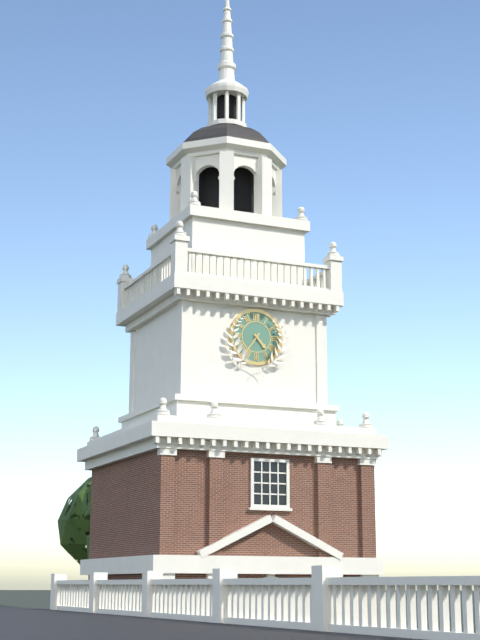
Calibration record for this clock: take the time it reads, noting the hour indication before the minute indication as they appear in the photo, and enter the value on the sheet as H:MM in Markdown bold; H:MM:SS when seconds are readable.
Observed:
**4:36**
